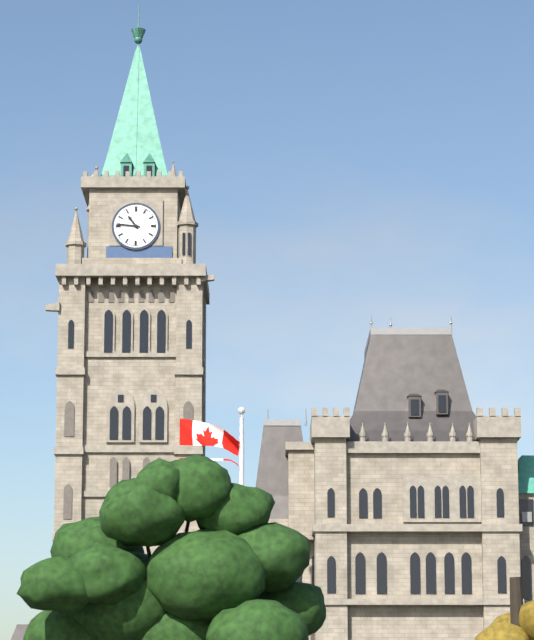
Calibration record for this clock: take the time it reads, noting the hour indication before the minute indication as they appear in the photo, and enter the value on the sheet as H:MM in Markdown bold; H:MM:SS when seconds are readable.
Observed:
**10:46**
